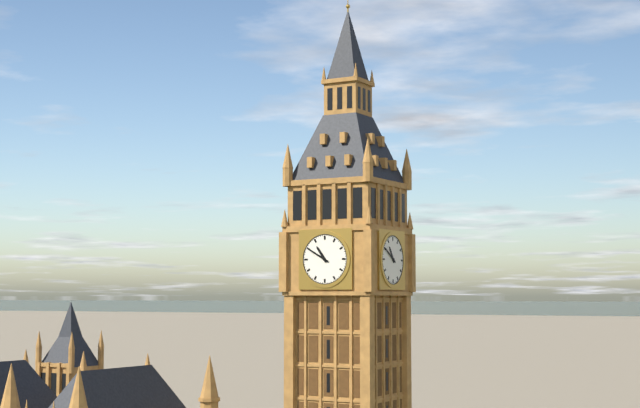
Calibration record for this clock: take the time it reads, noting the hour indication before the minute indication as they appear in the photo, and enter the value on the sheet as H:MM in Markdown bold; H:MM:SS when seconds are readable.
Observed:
**10:50**
